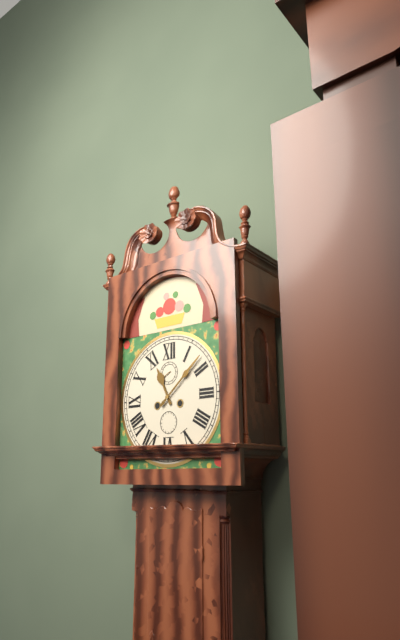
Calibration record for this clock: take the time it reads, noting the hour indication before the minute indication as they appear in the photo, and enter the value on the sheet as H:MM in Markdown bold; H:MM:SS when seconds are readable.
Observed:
**11:08**
